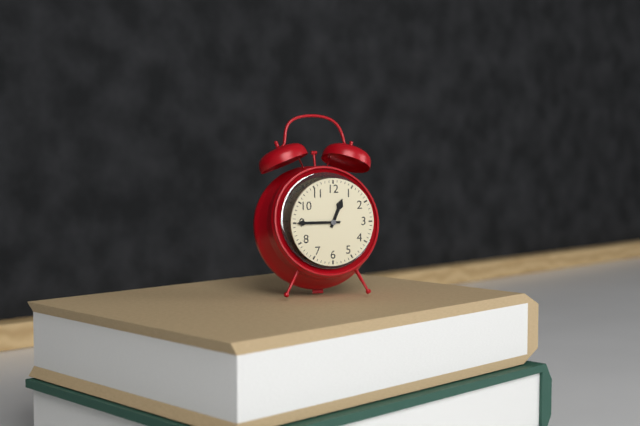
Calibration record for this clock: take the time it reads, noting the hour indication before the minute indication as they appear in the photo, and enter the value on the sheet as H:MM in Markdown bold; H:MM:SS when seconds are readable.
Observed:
**12:45**
